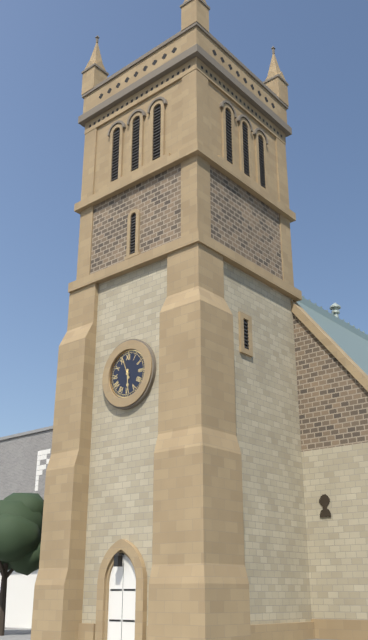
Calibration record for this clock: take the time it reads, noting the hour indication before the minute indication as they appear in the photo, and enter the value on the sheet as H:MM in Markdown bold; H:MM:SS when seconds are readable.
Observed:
**5:56**
